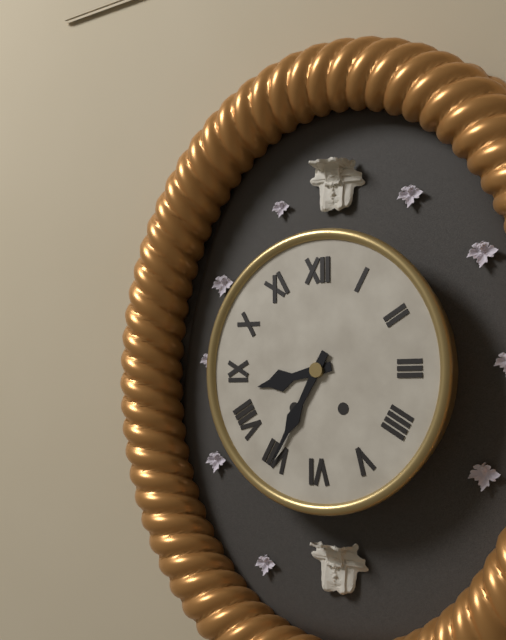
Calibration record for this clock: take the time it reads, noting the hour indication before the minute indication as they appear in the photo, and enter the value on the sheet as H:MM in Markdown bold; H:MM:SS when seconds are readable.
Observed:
**8:35**
